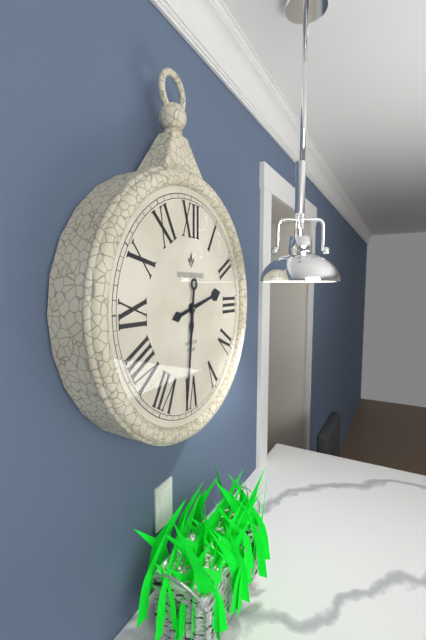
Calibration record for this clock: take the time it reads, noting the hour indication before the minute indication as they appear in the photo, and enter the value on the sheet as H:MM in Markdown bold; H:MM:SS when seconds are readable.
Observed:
**2:31**
